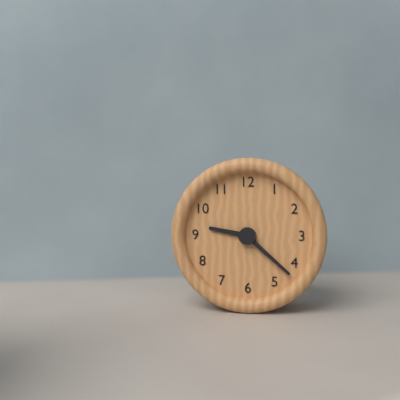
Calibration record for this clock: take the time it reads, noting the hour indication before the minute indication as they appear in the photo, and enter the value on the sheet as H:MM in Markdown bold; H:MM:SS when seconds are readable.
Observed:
**9:22**
